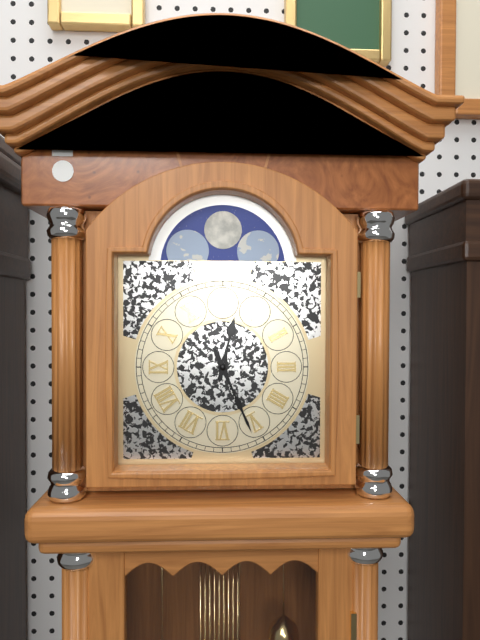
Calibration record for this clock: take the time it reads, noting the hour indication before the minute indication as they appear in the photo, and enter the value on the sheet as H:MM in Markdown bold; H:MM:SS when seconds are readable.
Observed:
**12:26**
